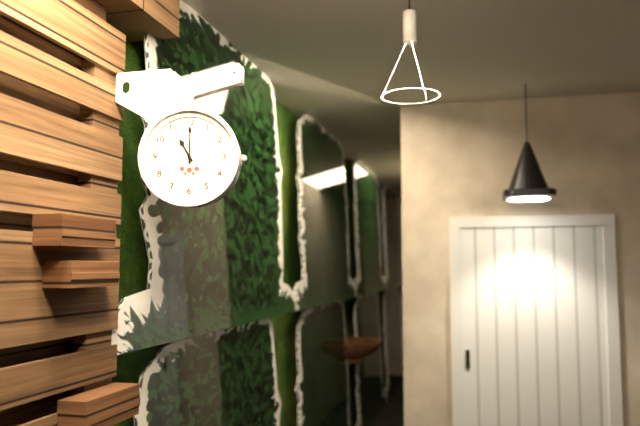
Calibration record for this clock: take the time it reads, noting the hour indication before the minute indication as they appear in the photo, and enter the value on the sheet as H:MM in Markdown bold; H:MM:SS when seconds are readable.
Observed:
**11:00**
